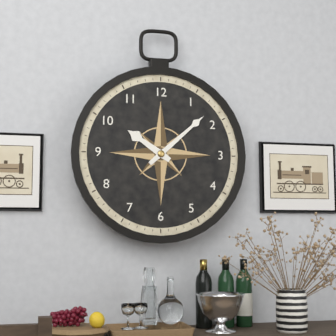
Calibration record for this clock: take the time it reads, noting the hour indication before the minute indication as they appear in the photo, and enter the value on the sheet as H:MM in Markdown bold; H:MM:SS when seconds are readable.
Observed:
**10:08**
